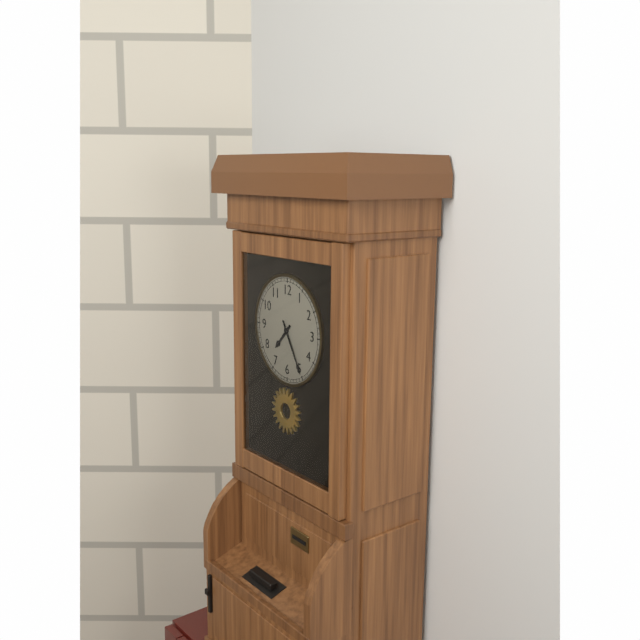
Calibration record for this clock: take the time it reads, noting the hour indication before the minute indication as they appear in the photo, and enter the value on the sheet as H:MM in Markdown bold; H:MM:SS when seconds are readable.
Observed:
**7:25**
